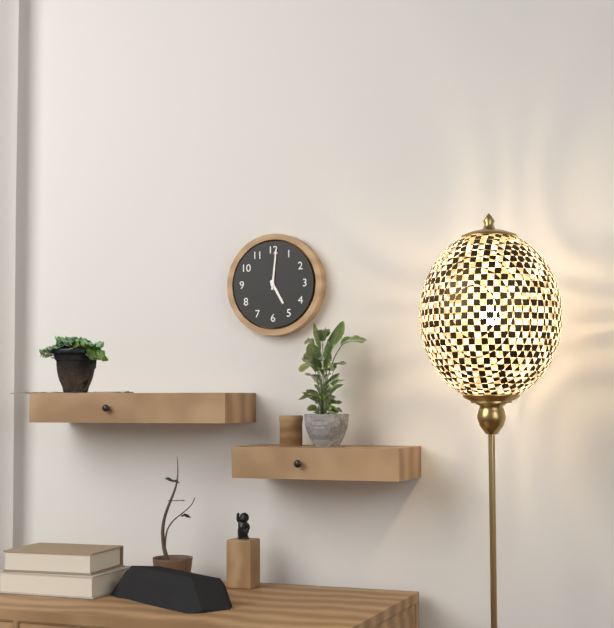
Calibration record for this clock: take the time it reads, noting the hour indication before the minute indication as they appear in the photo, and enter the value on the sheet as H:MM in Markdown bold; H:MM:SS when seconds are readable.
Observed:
**5:01**
